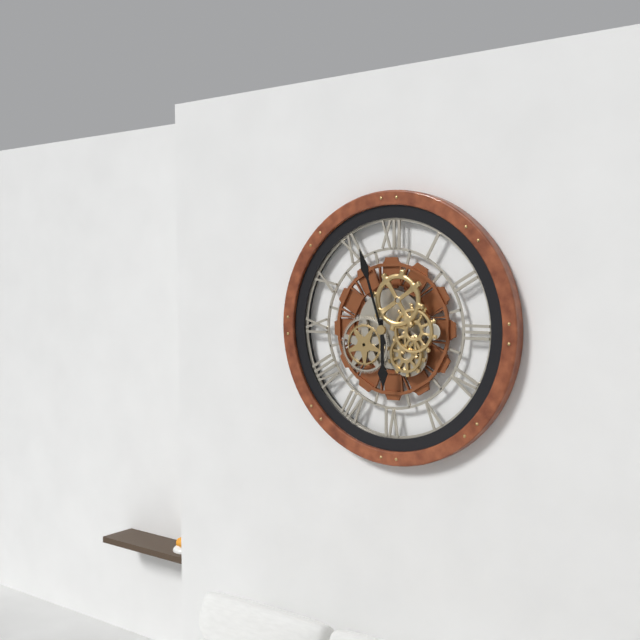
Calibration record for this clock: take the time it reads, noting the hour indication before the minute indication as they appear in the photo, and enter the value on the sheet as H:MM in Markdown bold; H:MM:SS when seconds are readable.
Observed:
**5:57**
